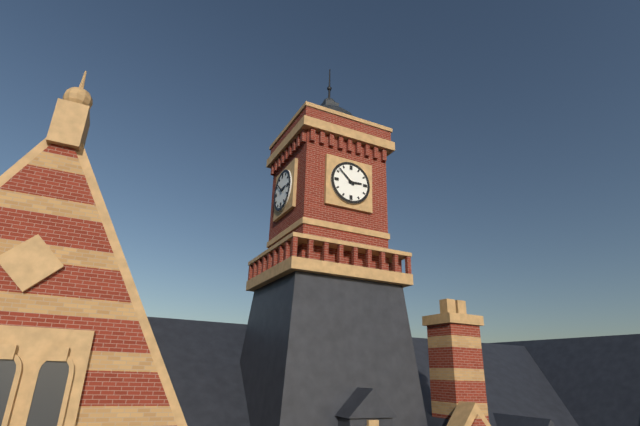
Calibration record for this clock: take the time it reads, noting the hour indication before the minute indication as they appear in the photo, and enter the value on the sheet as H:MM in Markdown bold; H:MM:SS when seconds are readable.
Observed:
**2:52**
